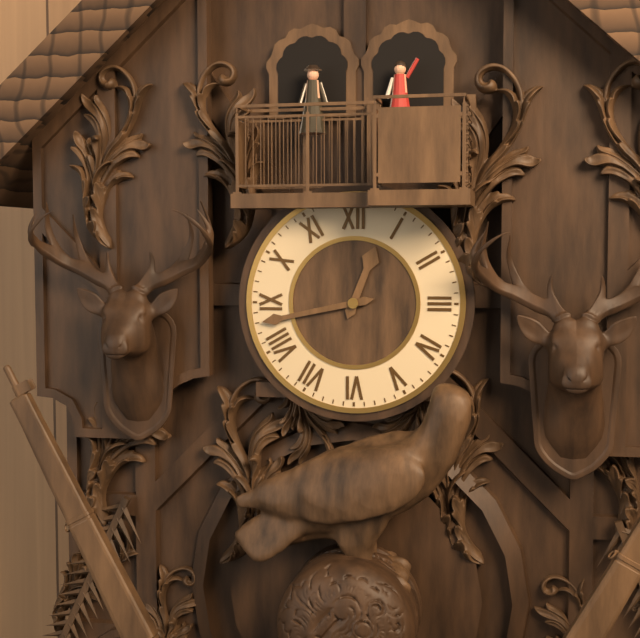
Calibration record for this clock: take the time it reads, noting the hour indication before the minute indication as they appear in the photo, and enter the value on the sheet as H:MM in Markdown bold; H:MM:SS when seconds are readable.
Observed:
**12:43**
